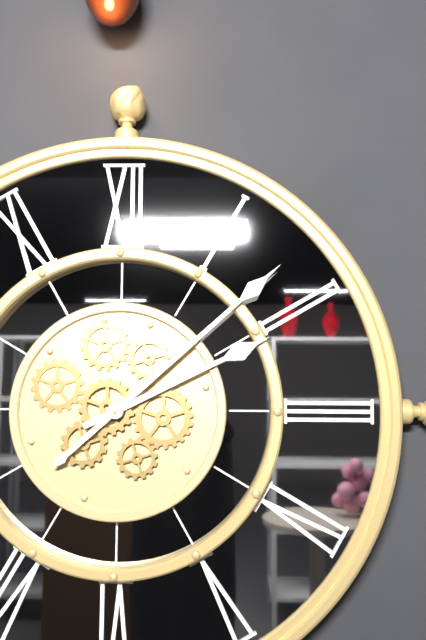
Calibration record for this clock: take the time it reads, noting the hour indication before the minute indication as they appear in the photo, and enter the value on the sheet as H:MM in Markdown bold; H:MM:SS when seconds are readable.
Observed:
**2:08**
